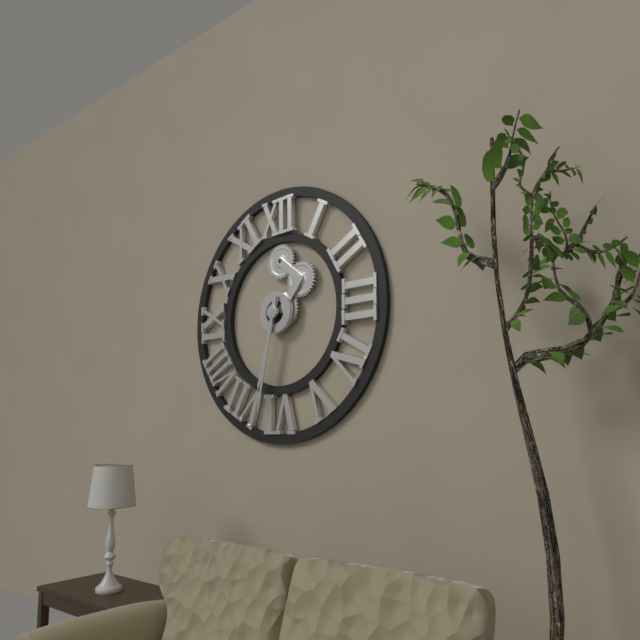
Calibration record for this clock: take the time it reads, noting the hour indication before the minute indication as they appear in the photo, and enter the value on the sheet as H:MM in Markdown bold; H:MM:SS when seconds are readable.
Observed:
**6:32**
